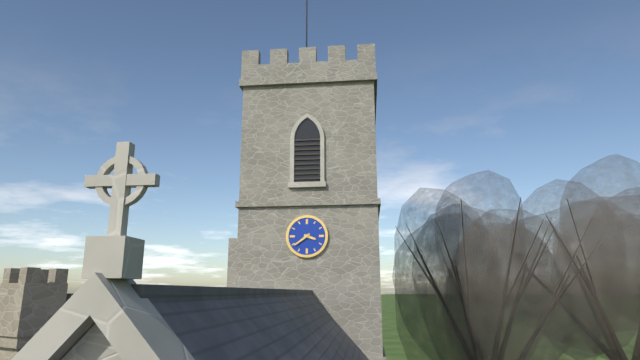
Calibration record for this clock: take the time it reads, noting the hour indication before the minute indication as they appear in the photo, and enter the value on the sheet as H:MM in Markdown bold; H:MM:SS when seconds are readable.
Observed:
**3:39**
